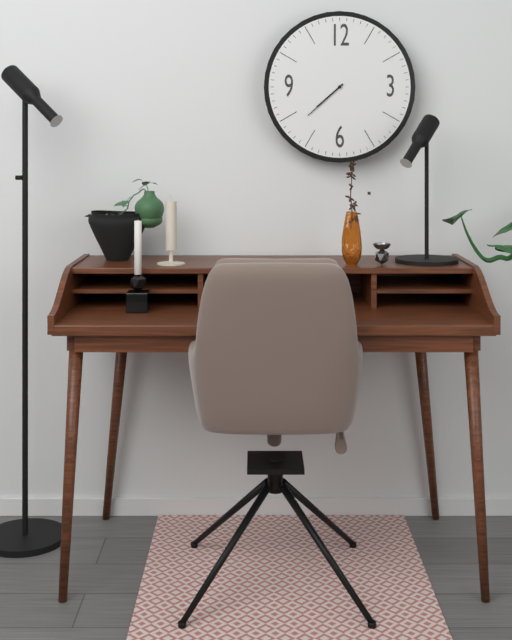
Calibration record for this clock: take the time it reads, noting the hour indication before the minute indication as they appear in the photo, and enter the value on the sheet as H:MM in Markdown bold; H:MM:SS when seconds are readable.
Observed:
**7:38**
